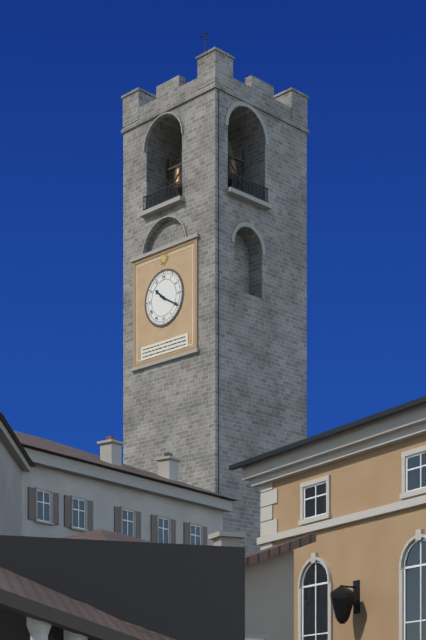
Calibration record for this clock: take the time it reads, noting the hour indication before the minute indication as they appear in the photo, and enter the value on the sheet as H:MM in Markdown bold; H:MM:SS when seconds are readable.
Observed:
**10:20**
